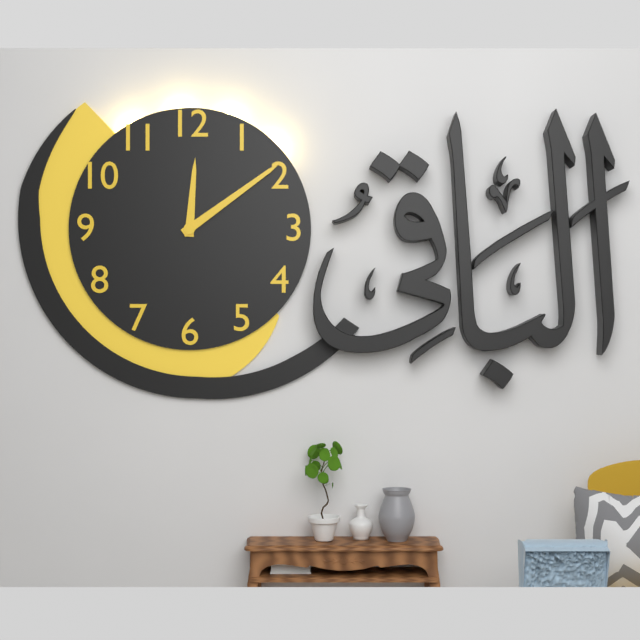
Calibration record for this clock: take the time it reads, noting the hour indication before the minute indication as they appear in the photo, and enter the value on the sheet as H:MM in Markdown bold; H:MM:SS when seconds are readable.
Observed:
**12:09**
